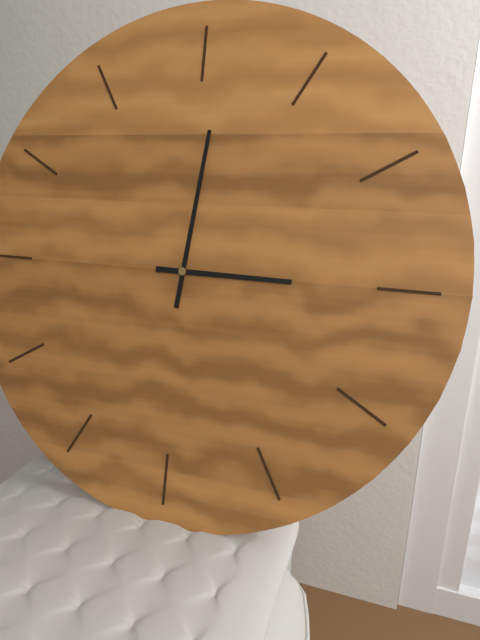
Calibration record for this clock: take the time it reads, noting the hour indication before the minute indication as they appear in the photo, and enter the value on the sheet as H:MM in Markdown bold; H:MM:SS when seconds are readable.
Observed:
**3:01**
